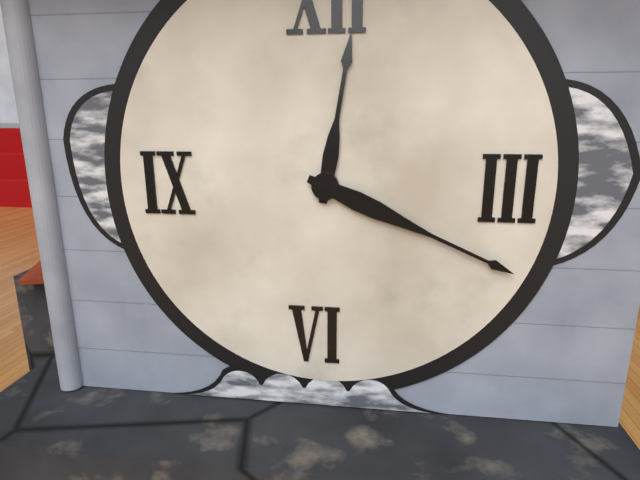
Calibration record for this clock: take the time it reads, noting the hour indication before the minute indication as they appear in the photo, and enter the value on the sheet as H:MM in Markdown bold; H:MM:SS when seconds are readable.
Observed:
**12:19**
